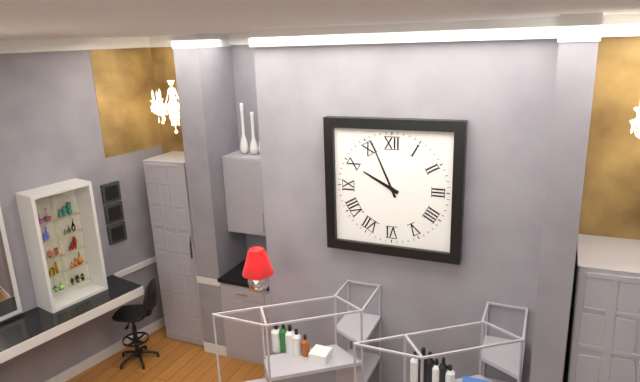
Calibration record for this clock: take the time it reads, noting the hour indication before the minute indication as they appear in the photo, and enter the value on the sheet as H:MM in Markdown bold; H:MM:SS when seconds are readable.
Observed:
**9:56**
